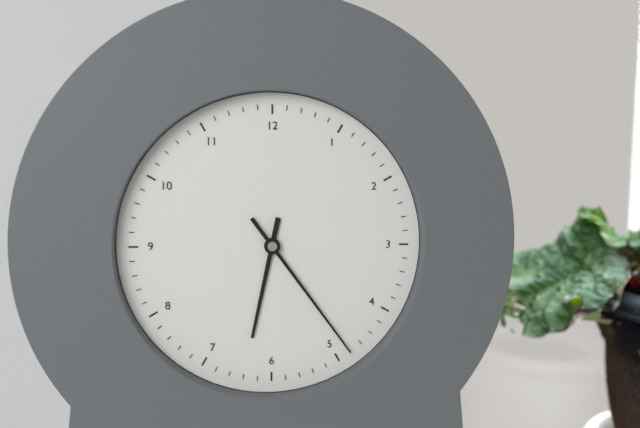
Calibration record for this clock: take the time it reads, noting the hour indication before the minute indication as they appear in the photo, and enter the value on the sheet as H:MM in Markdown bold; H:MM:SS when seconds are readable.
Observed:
**6:24**
